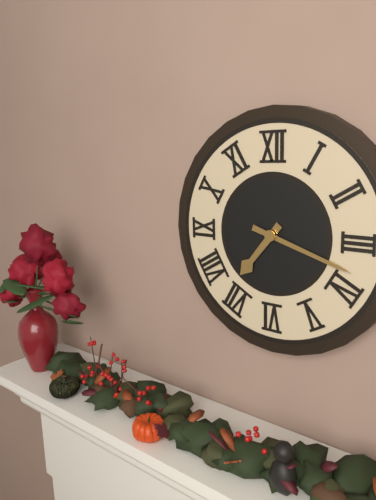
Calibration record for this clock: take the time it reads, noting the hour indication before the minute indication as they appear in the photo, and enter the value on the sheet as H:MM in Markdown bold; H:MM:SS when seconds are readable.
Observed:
**7:18**
